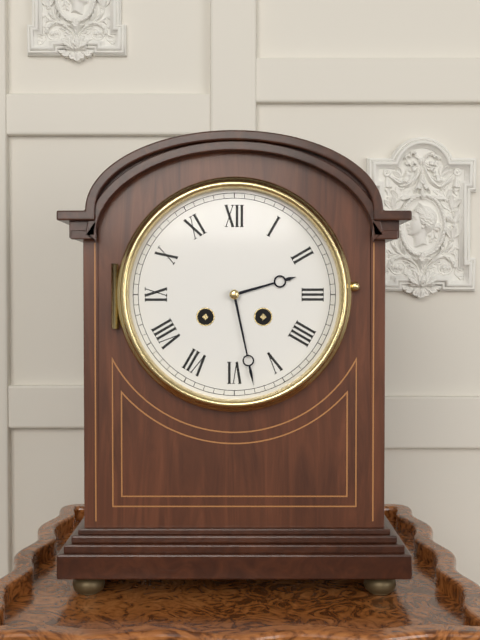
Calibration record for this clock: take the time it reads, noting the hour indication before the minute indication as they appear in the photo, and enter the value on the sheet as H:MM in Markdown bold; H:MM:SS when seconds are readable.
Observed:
**2:28**
